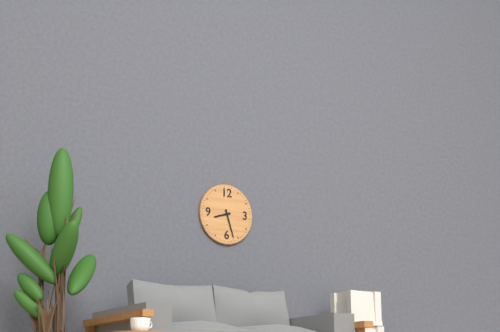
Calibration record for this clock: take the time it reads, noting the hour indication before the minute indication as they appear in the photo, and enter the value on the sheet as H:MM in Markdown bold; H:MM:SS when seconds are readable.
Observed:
**8:27**
